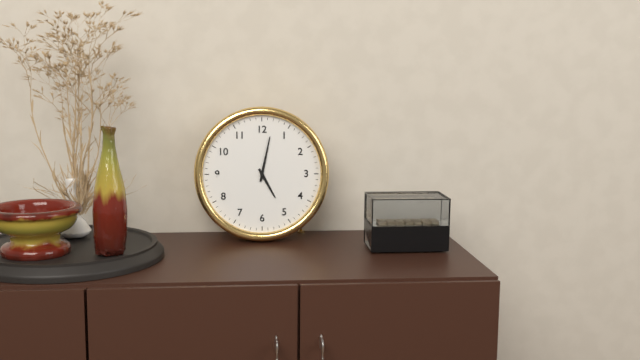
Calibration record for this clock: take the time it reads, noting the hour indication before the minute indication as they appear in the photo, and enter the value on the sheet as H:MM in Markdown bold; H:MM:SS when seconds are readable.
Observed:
**5:02**
